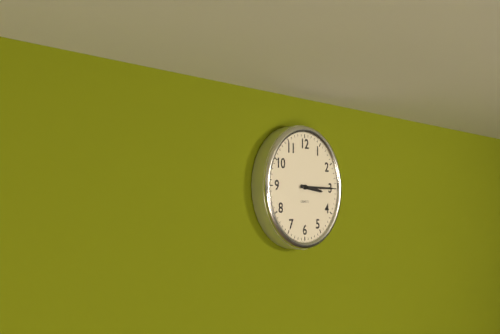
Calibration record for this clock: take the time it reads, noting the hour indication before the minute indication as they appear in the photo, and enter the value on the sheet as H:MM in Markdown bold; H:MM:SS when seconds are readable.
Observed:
**3:15**
